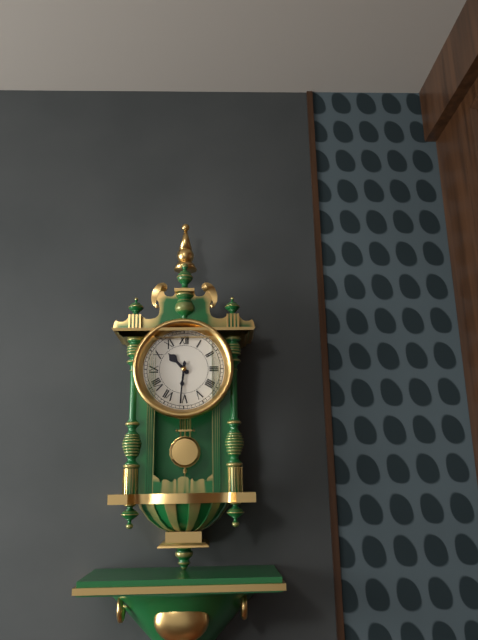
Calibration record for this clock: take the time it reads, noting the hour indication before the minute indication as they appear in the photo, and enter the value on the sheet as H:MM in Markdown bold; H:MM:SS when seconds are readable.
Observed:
**10:31**
